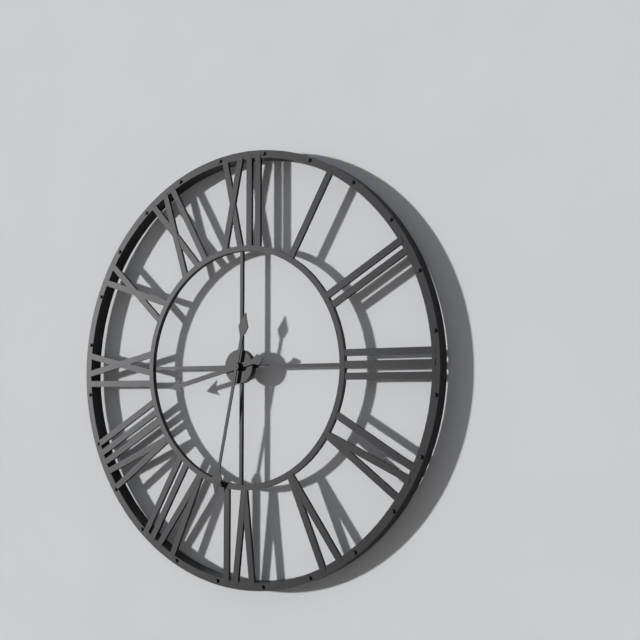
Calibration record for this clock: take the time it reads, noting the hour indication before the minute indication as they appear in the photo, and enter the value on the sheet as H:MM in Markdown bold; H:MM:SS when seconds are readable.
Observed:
**8:32**
